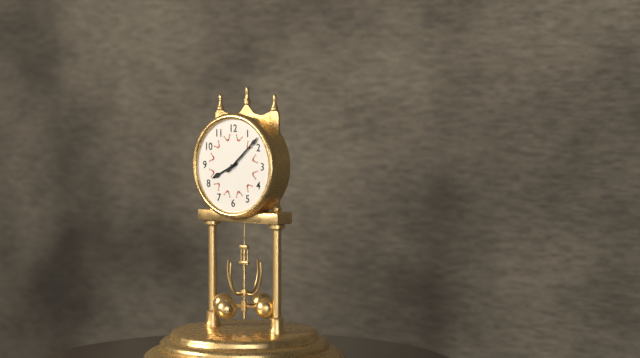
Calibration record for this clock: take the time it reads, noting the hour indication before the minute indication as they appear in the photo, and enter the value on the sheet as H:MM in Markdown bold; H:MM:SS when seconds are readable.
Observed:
**8:08**
